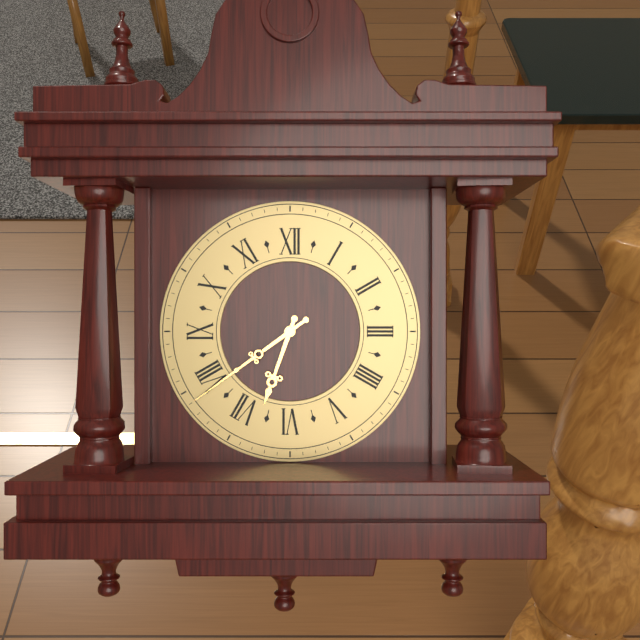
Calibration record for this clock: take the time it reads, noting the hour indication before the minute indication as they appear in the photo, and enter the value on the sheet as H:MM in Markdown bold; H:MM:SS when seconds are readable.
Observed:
**6:39**
